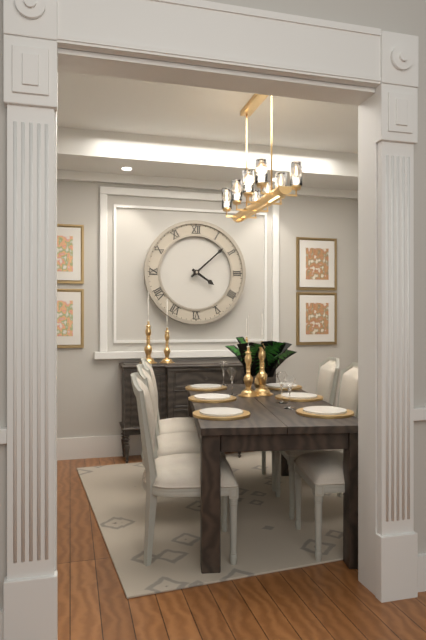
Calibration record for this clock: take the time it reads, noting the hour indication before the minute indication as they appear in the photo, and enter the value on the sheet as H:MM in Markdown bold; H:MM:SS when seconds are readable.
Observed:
**4:08**
